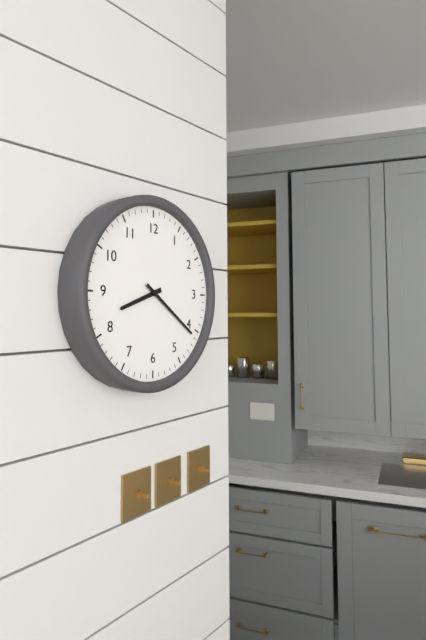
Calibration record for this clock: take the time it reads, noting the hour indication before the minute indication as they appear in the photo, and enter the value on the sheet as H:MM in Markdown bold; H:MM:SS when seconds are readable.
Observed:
**8:21**
